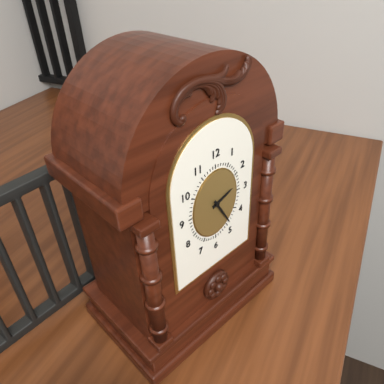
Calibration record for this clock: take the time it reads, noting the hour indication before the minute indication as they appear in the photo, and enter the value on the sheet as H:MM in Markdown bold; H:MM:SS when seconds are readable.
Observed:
**2:25**
